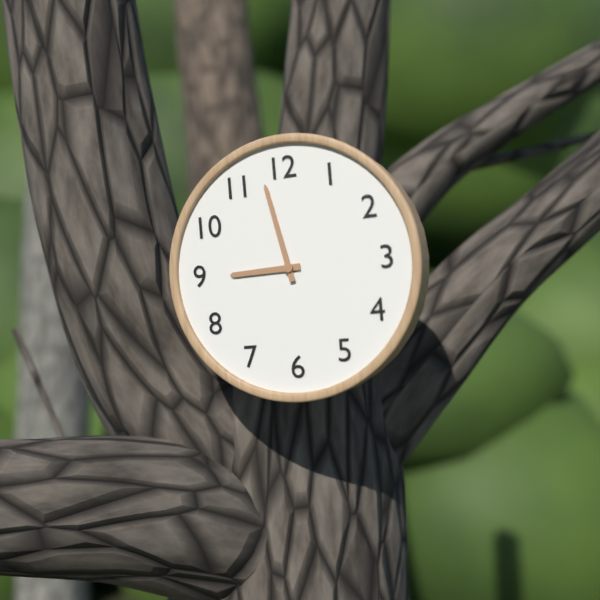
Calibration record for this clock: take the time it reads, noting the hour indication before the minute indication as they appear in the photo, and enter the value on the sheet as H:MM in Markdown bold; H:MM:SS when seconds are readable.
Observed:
**8:58**
